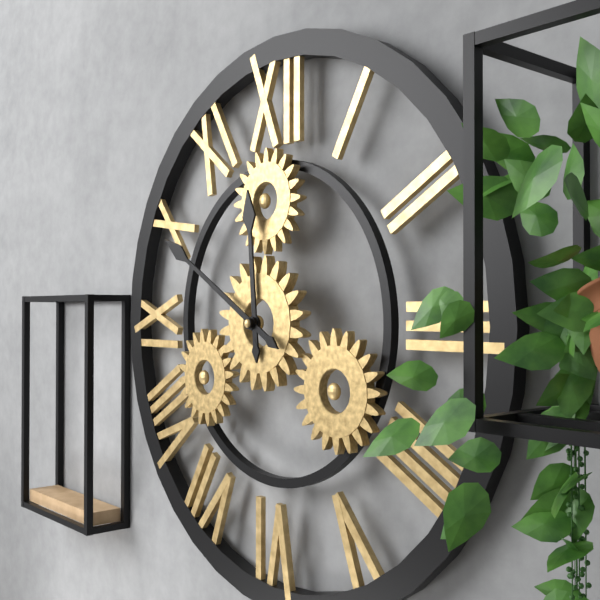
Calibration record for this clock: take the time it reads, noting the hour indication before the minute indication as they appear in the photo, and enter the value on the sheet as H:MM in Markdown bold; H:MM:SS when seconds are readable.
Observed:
**11:50**
